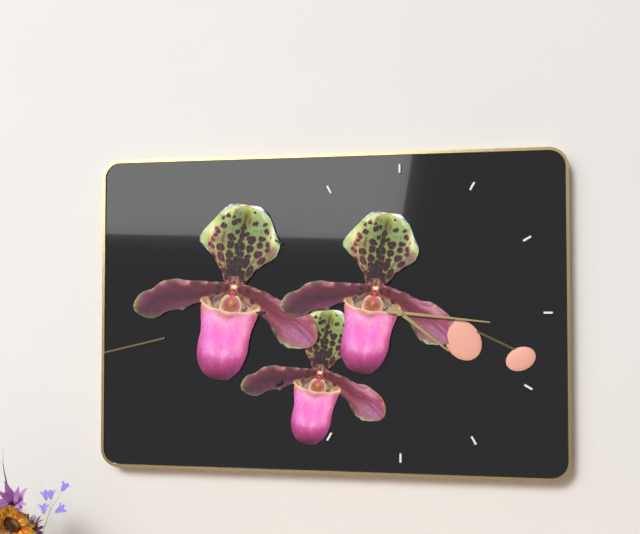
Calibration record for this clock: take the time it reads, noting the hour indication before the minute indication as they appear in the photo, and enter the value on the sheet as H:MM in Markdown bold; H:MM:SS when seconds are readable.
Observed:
**4:16**
